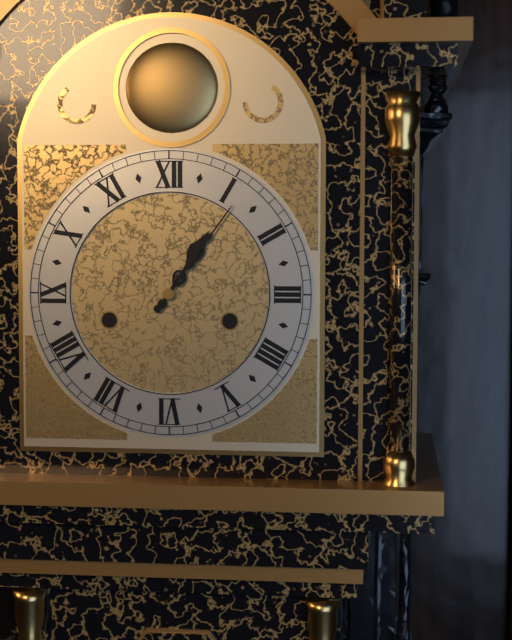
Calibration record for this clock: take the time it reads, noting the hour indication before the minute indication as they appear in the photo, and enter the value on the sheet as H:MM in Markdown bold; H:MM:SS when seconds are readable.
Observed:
**1:06**
